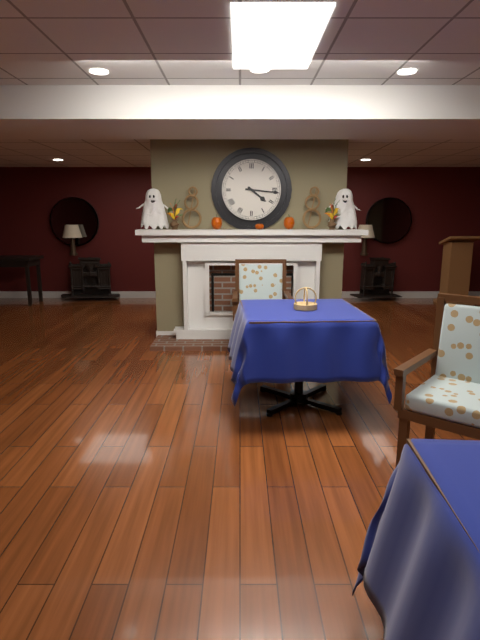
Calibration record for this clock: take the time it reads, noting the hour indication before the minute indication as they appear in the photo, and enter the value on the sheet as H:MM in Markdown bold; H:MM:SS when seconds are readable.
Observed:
**4:16**
